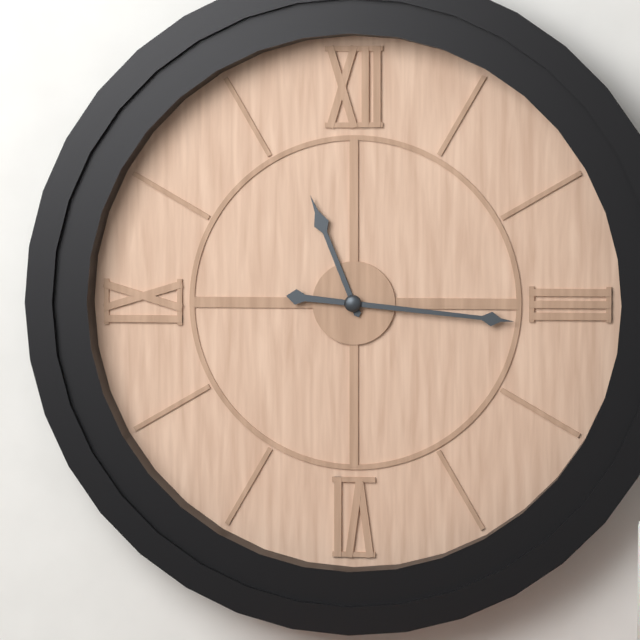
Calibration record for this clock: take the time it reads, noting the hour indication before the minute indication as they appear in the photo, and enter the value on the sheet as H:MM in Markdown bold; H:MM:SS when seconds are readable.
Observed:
**11:16**
